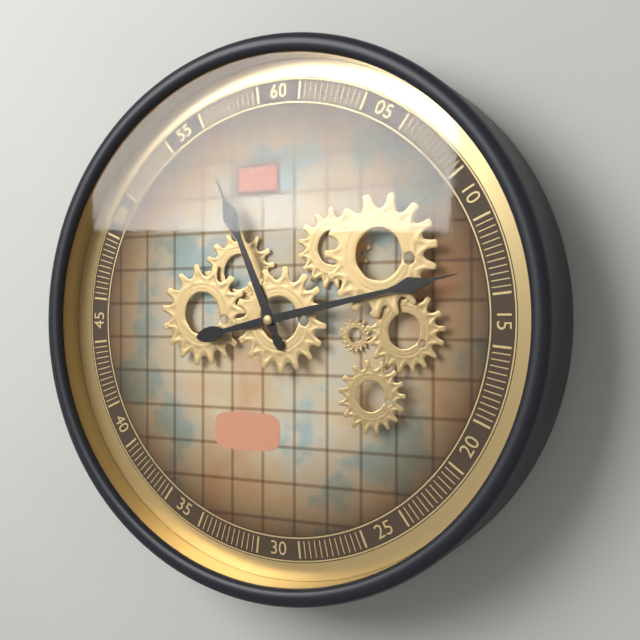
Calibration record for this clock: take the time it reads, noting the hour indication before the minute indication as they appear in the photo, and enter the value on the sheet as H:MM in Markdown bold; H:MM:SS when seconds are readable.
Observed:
**11:13**
